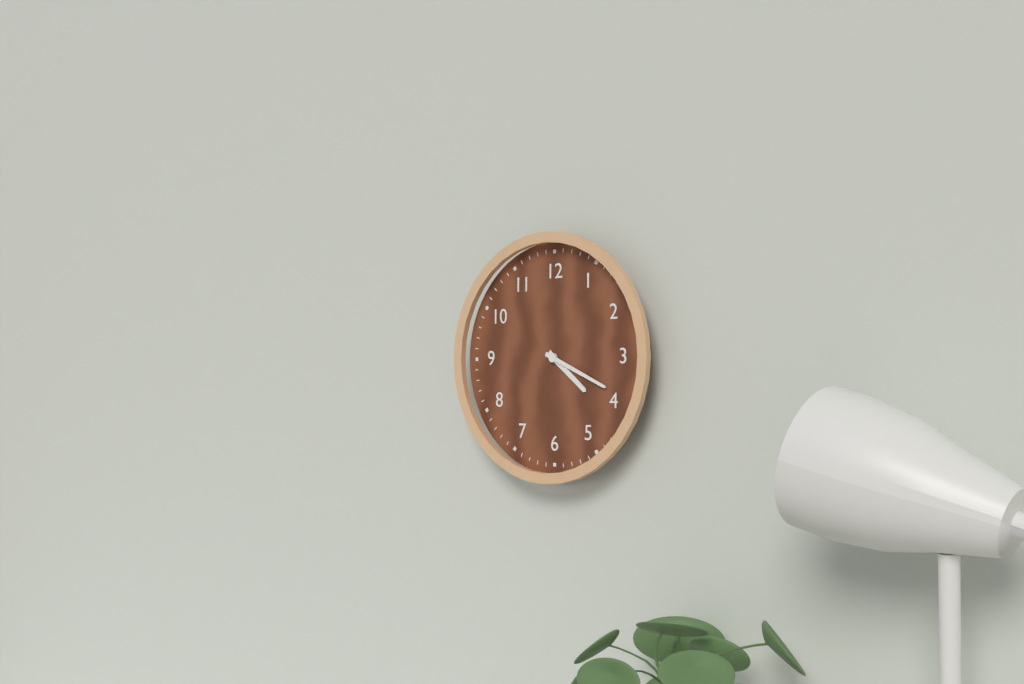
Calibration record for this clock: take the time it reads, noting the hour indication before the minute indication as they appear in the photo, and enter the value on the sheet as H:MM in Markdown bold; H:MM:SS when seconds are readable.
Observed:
**4:19**
